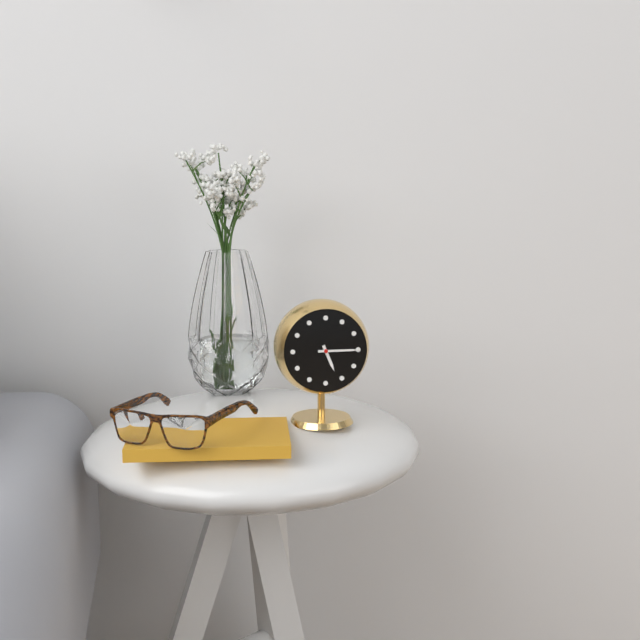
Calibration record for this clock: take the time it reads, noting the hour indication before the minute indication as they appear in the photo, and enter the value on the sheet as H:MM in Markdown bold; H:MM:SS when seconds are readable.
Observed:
**5:15**
